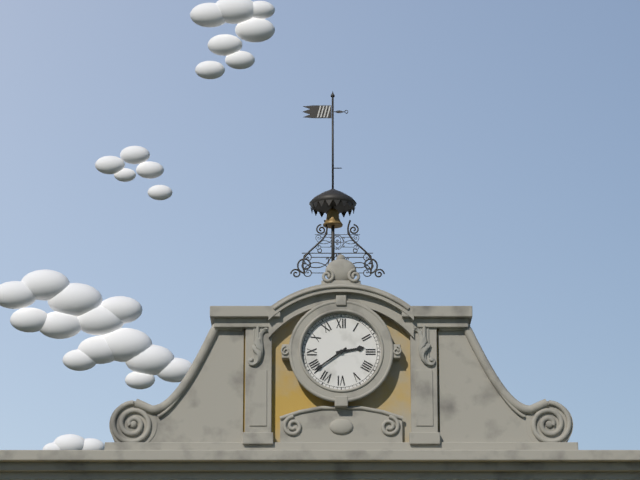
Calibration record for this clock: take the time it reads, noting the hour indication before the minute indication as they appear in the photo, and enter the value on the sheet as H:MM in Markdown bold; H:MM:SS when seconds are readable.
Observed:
**2:39**
